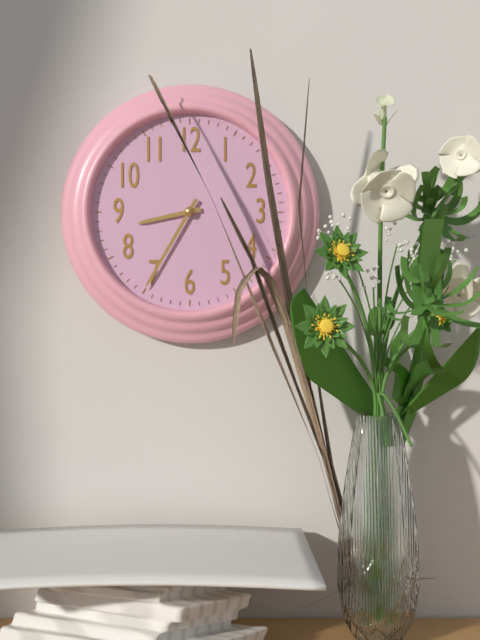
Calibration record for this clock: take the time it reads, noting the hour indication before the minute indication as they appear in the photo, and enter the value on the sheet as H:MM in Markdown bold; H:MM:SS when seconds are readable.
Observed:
**8:35**
